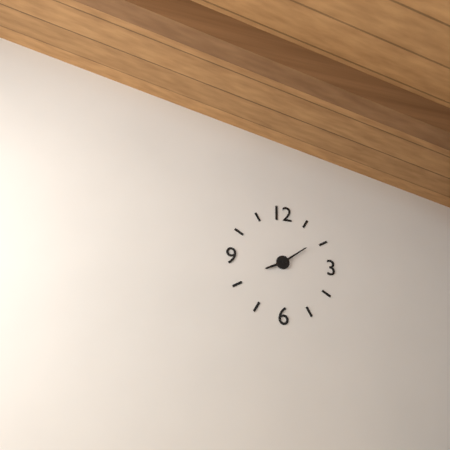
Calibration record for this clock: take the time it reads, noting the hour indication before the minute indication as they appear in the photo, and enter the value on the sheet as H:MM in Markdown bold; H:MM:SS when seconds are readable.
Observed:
**8:09**
